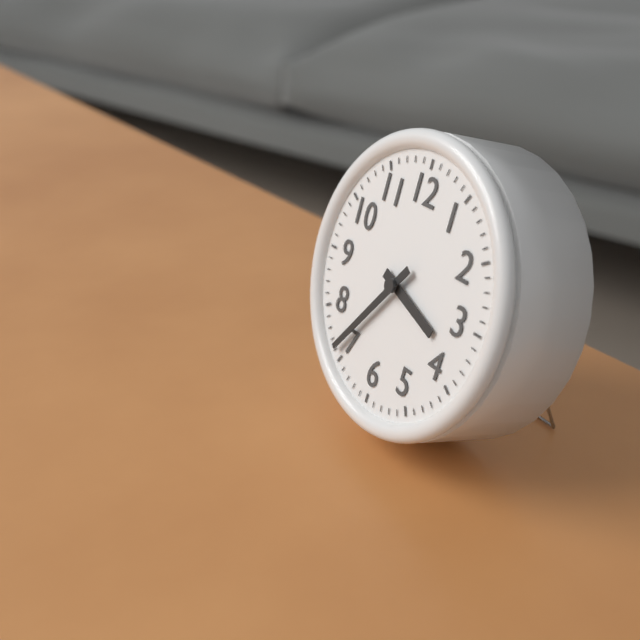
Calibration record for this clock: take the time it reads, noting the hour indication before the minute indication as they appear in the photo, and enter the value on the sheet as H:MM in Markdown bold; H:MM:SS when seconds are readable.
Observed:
**3:36**
